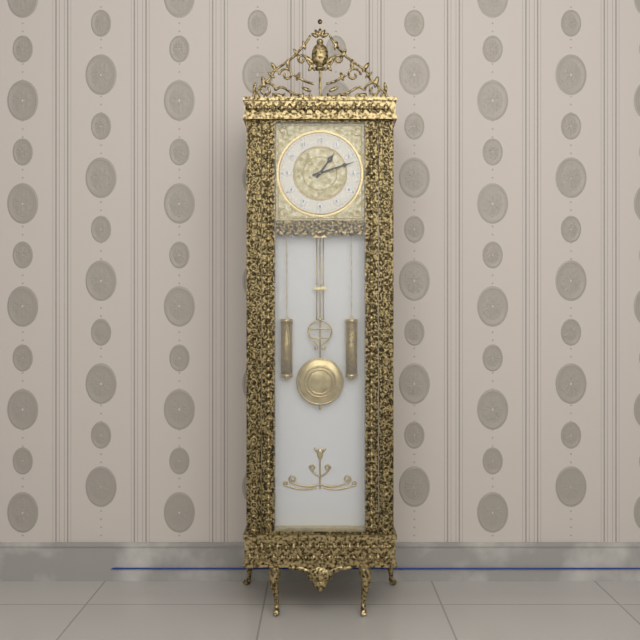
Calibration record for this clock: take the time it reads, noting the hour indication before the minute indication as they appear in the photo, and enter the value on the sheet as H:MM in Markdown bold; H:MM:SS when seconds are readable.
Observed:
**1:12**
